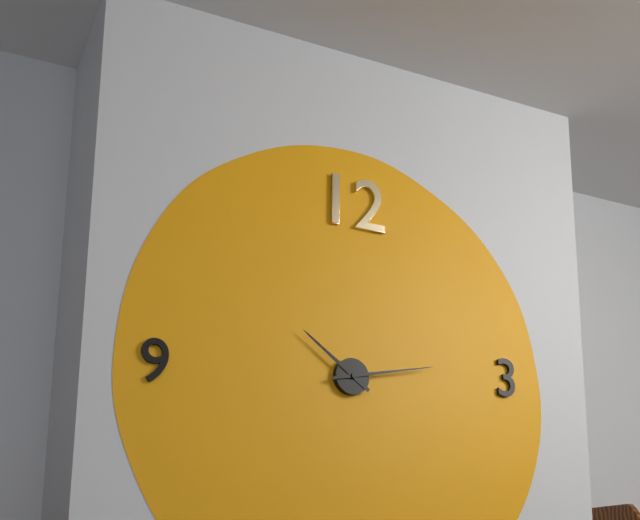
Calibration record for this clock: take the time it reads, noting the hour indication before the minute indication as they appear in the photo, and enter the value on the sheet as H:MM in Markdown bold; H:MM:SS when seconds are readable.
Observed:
**10:13**
